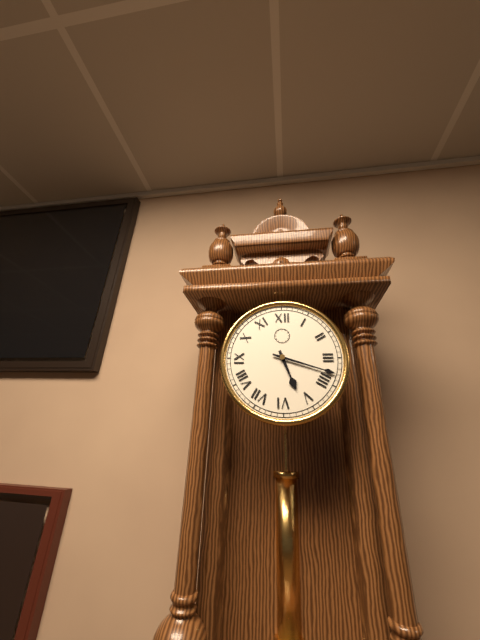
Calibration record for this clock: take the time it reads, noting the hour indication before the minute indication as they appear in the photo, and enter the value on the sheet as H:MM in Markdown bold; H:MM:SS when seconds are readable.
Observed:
**5:18**
